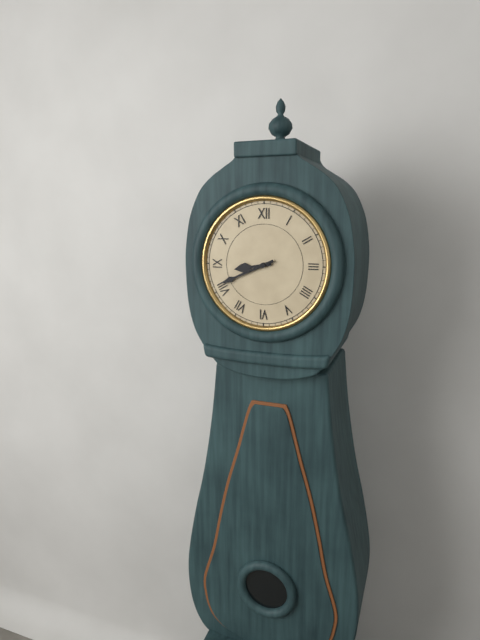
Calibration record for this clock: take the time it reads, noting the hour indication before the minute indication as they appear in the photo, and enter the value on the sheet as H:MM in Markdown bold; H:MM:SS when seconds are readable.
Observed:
**8:41**
